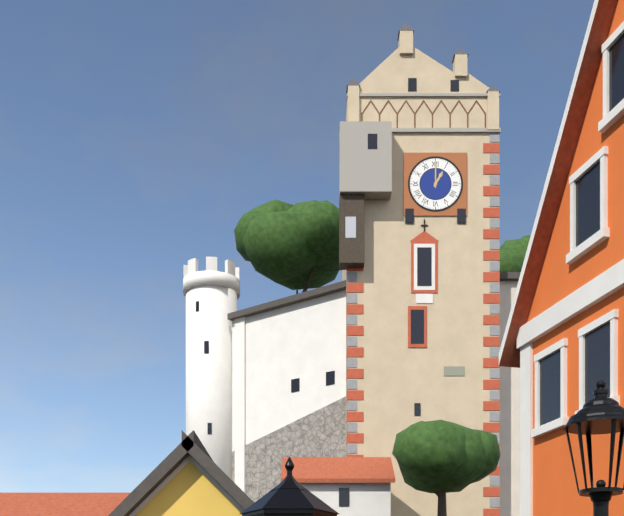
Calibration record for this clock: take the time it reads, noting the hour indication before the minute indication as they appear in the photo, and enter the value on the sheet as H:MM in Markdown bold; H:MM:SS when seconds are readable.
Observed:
**1:00**
